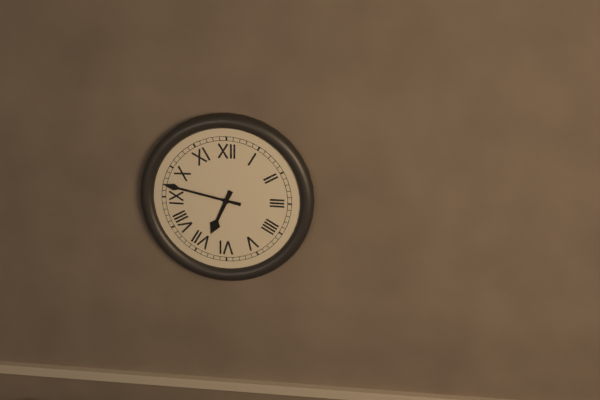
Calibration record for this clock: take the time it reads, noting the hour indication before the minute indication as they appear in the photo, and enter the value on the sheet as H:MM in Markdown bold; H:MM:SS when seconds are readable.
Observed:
**6:47**
